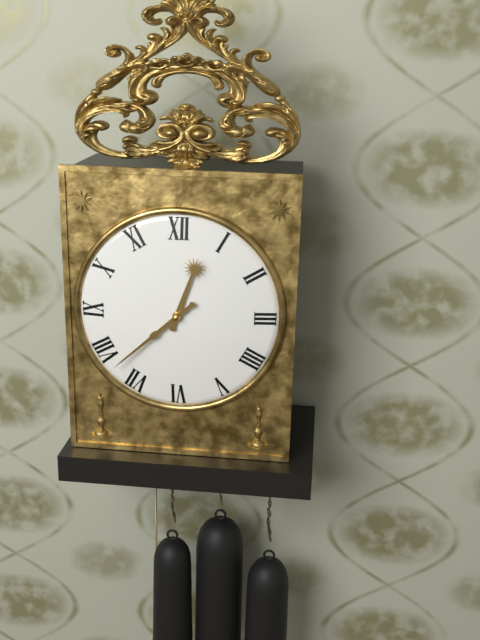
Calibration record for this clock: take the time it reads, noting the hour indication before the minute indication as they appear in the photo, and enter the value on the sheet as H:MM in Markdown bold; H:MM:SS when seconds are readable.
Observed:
**12:38**
